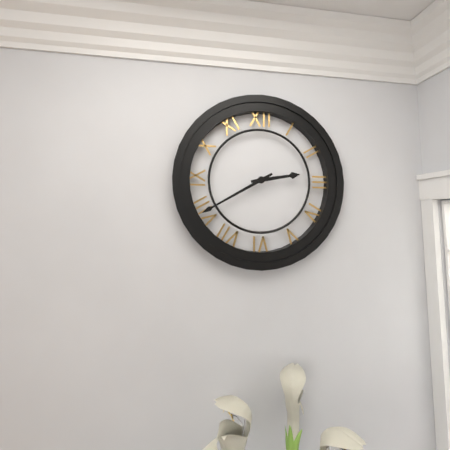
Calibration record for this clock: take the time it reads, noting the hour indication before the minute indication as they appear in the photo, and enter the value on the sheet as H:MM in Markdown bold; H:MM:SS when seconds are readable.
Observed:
**2:40**
